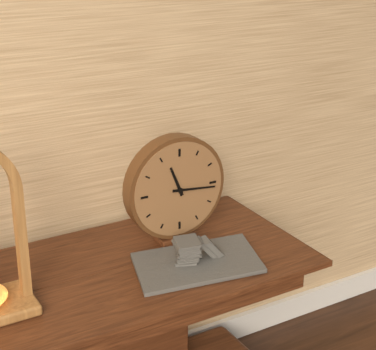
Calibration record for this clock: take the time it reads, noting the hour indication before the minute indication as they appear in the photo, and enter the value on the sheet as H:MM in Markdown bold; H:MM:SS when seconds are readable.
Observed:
**11:16**
